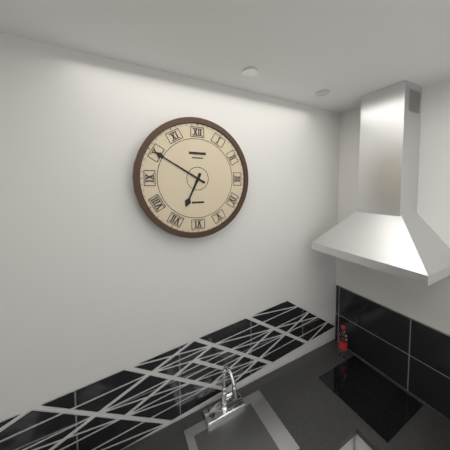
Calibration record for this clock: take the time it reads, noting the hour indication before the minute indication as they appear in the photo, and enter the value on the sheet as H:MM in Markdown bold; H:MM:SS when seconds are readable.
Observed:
**6:50**
